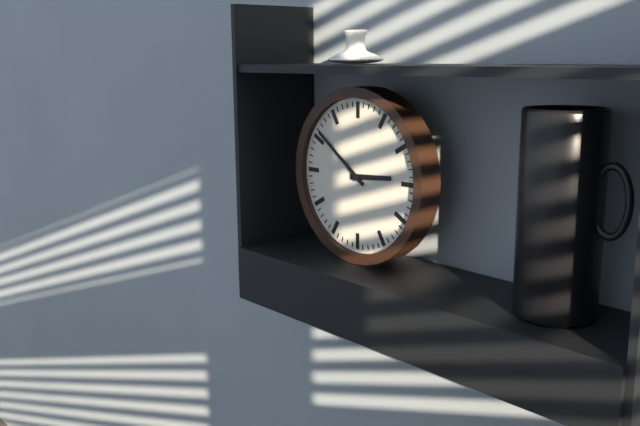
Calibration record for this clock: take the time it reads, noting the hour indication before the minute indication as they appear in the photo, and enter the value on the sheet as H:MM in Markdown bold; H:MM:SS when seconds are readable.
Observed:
**2:51**
